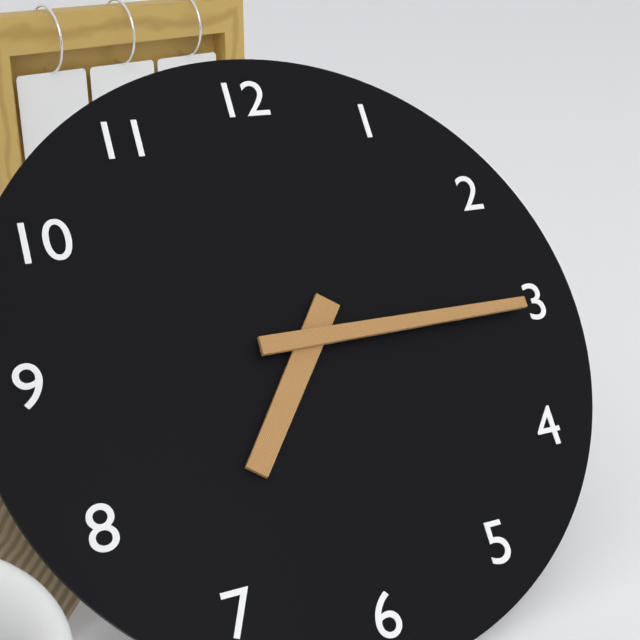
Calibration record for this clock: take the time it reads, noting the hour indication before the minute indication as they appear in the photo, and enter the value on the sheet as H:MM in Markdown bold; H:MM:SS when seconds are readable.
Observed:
**7:15**
